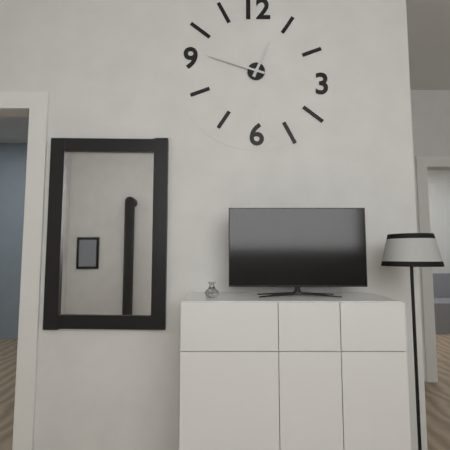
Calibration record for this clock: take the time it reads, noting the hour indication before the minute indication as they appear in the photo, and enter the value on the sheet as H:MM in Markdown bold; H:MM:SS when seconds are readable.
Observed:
**12:48**
